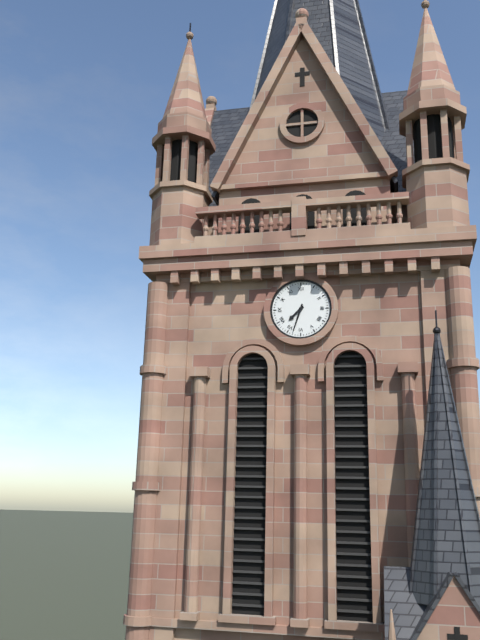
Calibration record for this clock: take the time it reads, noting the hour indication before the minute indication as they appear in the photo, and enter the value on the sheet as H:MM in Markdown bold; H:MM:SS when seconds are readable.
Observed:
**7:33**
